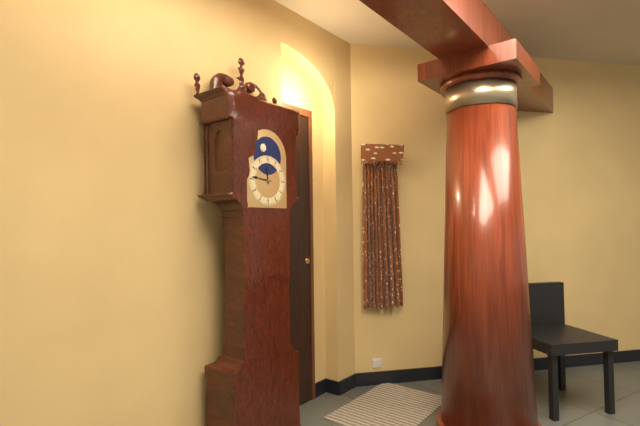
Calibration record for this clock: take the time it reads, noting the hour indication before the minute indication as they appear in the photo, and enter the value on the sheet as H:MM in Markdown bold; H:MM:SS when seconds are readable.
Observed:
**11:46**
